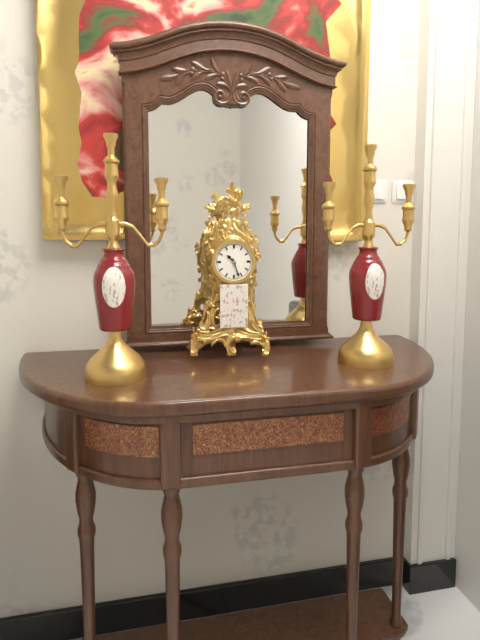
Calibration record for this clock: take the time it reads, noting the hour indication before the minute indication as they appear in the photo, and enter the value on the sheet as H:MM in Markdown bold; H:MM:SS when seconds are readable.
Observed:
**10:27**
